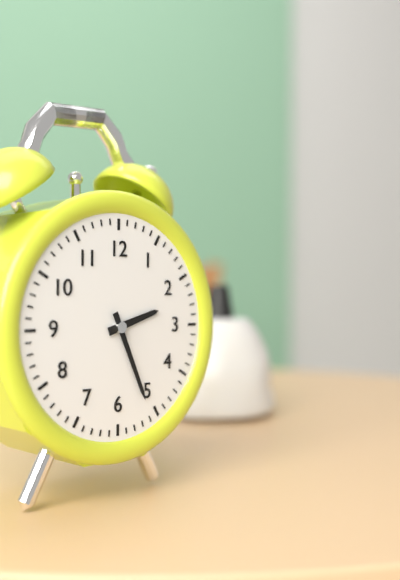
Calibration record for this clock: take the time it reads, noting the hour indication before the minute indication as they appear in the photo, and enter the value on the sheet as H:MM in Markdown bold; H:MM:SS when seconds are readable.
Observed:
**2:26**
